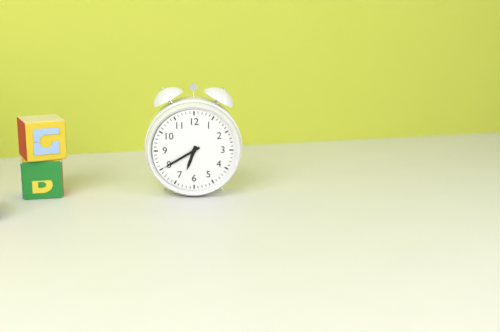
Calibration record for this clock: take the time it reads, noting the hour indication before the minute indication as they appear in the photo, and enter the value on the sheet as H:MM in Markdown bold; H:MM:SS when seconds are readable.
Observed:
**6:40**
